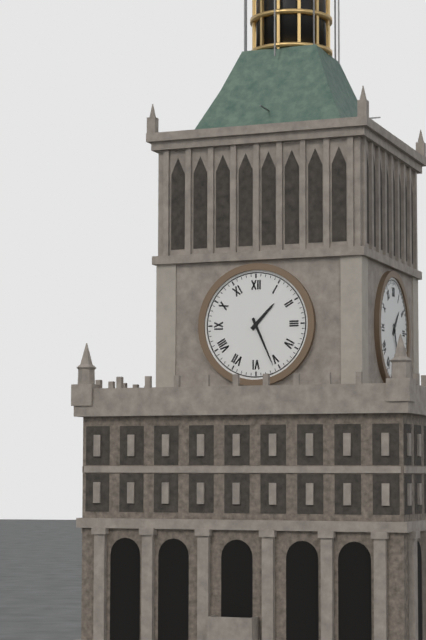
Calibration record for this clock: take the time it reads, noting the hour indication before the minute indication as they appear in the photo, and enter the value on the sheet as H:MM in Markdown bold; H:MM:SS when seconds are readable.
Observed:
**1:26**
